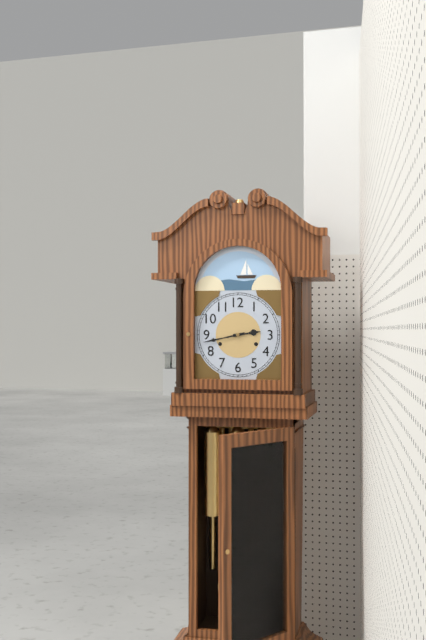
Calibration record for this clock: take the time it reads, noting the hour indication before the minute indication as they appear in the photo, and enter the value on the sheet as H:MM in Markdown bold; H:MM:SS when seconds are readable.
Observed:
**2:43**
